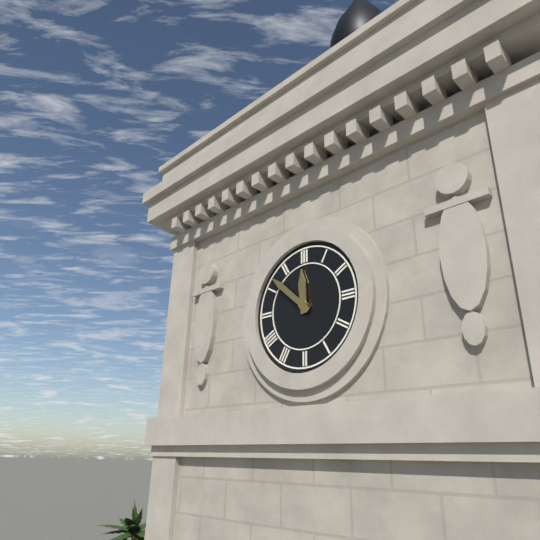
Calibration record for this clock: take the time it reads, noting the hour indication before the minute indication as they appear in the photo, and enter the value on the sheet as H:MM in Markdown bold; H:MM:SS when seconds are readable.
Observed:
**11:52**
